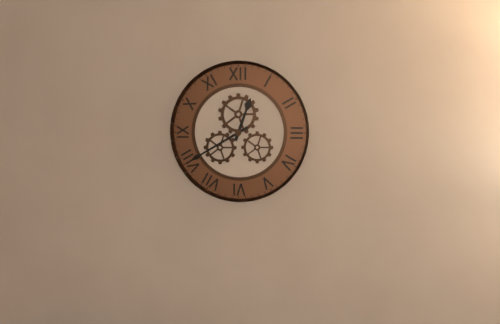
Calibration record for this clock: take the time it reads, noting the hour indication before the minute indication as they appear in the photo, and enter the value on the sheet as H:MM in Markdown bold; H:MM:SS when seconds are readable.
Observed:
**12:40**
